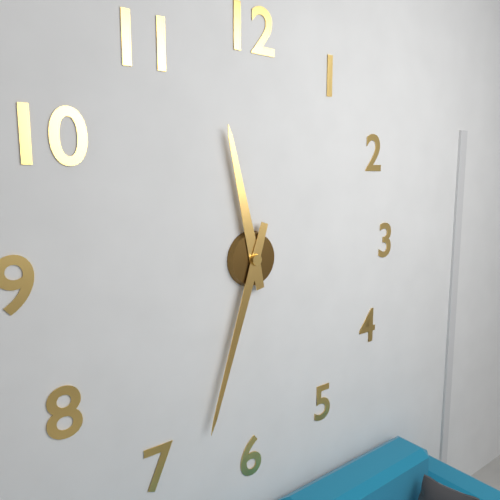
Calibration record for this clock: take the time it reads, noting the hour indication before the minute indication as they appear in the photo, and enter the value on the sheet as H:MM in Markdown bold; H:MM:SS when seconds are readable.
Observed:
**11:33**
